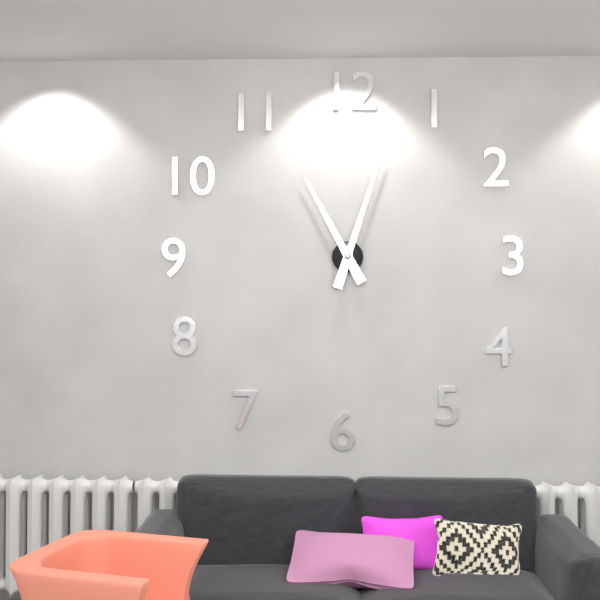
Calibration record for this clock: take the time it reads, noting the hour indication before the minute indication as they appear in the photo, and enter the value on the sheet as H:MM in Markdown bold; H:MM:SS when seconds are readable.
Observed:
**11:03**
